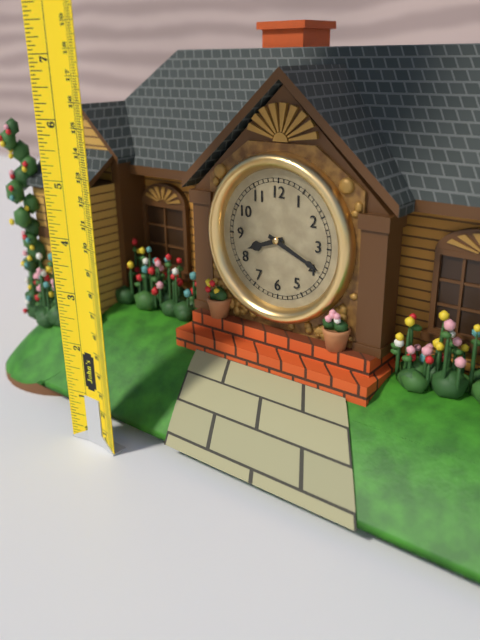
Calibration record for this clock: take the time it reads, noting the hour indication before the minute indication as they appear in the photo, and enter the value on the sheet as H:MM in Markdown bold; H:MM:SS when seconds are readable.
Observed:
**8:19**
